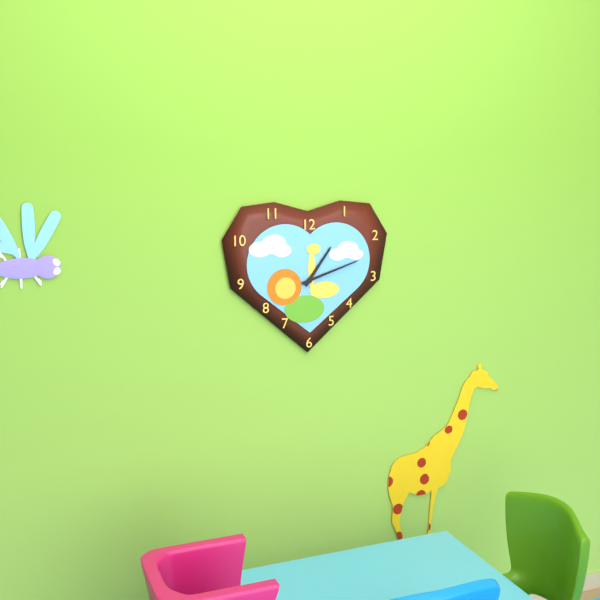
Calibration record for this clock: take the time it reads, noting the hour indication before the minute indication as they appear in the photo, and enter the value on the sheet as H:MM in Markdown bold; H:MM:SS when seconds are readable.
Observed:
**1:12**
